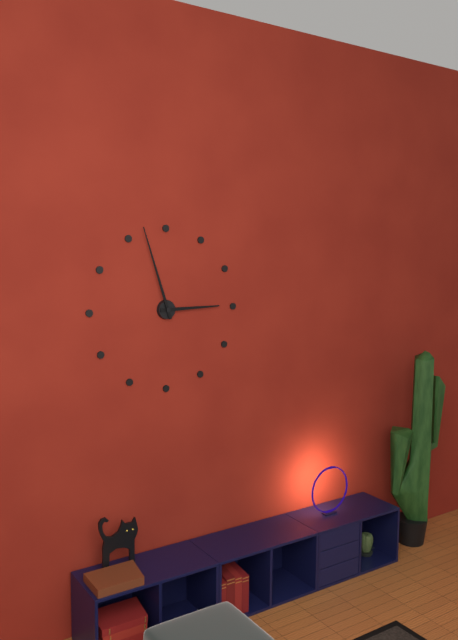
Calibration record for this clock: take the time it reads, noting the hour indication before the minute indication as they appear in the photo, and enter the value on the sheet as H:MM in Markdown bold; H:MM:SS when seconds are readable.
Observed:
**2:57**
